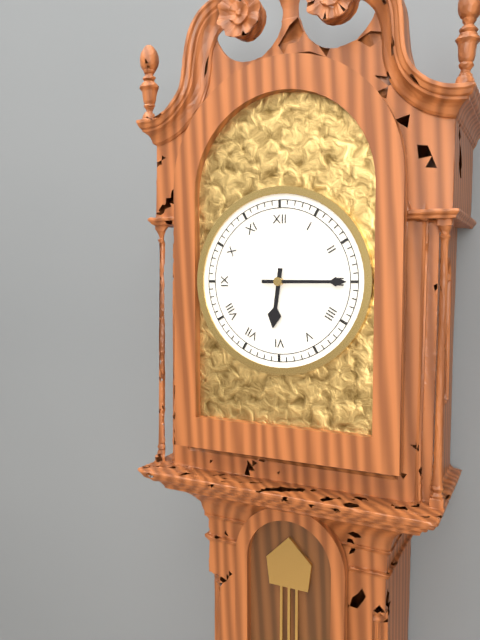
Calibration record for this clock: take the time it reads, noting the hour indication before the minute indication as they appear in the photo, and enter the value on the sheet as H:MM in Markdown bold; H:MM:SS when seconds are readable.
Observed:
**6:15**
